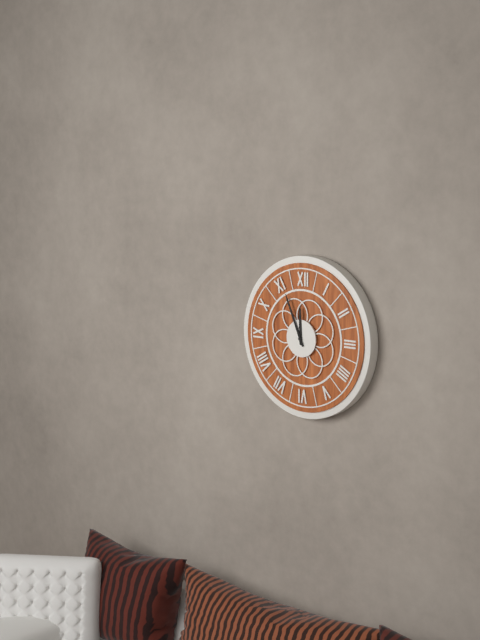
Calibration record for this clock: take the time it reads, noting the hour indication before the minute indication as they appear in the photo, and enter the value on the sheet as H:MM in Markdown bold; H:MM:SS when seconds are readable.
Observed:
**11:56**
